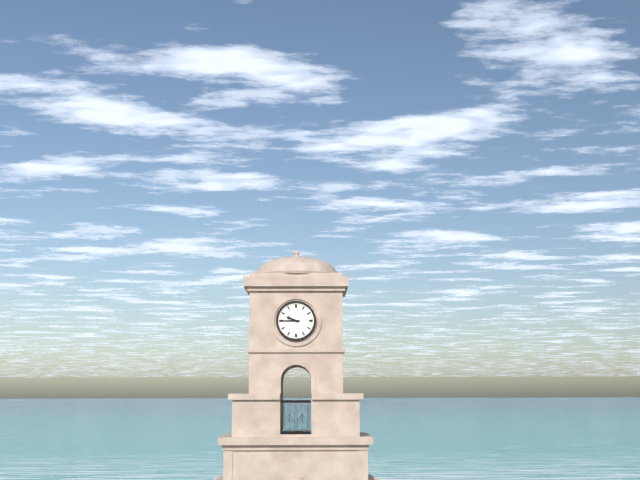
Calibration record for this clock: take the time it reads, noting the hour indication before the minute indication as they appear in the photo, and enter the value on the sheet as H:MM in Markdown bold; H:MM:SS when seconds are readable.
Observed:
**9:45**
